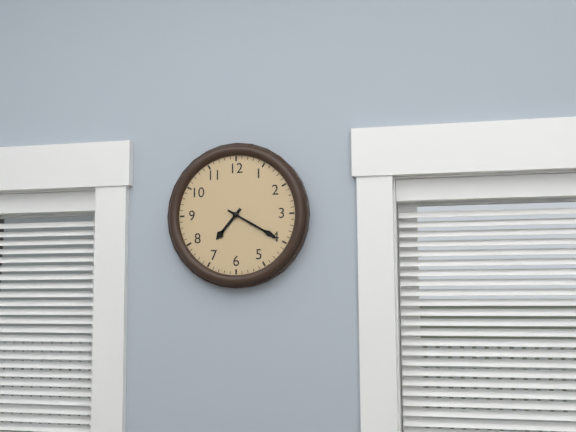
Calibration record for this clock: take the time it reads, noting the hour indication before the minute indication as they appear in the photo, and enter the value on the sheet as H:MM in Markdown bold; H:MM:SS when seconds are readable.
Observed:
**7:20**
